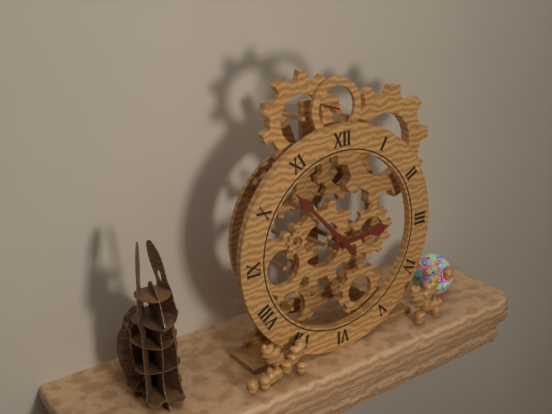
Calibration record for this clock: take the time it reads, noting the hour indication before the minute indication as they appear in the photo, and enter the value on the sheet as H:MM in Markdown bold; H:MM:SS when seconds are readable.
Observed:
**2:53**
